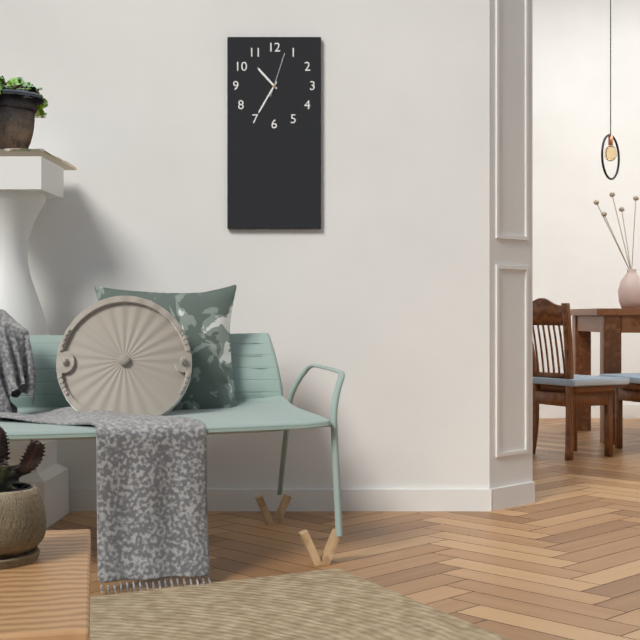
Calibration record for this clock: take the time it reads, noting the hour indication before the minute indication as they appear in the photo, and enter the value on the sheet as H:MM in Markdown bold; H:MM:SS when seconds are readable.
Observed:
**10:35**
